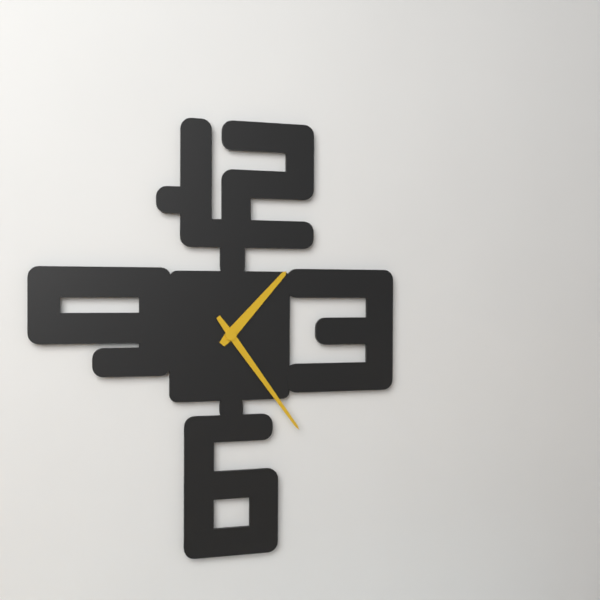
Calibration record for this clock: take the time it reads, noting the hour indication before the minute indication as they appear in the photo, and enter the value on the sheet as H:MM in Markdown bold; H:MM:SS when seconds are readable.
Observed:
**1:24**
